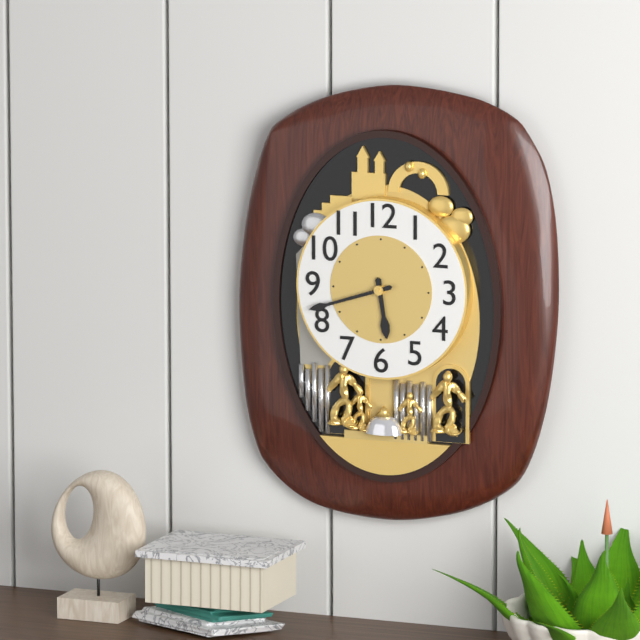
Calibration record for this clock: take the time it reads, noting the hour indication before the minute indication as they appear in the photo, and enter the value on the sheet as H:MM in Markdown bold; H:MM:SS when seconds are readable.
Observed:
**5:42**
